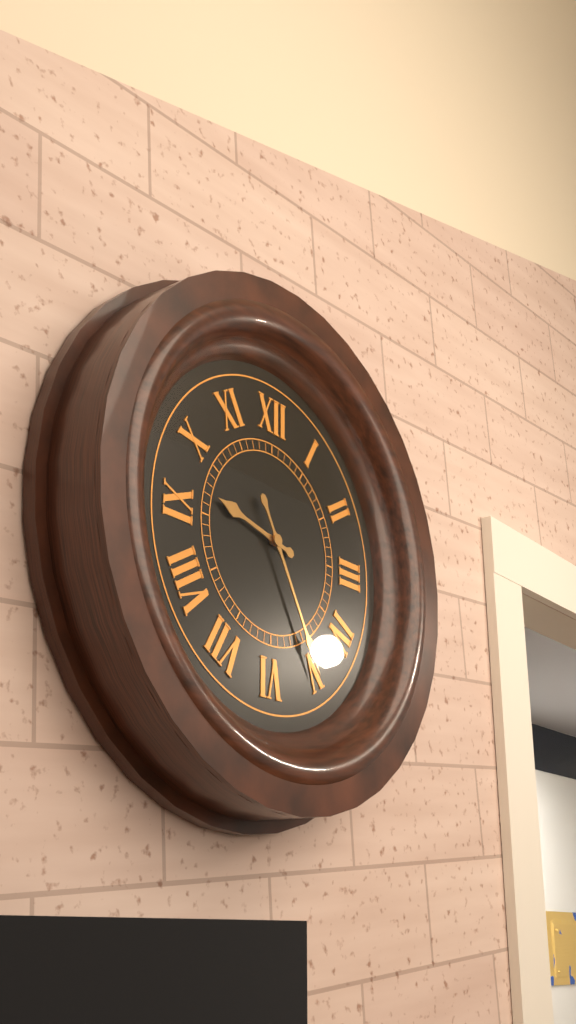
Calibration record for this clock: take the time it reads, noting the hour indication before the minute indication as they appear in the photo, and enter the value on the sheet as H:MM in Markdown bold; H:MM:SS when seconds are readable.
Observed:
**9:25**
